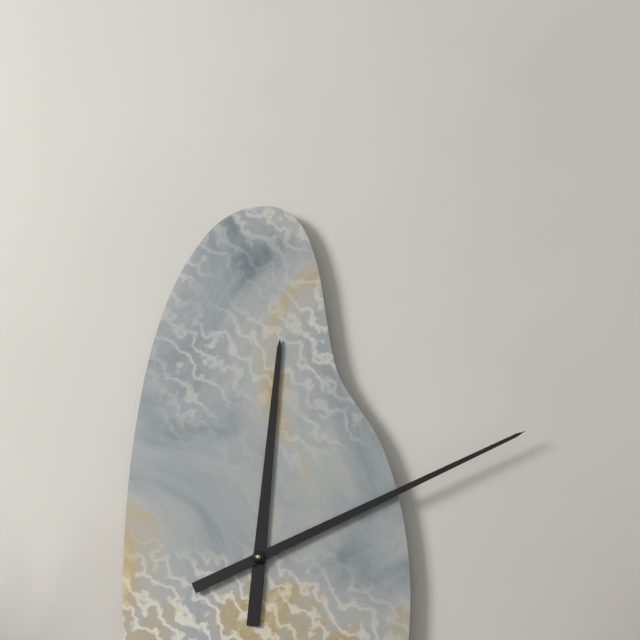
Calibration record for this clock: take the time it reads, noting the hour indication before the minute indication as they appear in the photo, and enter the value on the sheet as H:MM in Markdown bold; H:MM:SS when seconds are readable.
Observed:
**12:11**
